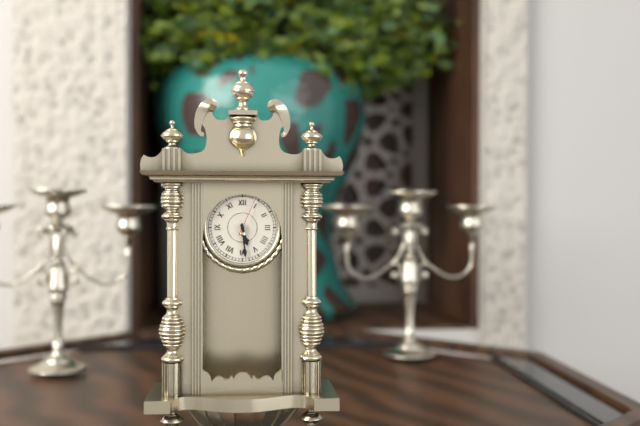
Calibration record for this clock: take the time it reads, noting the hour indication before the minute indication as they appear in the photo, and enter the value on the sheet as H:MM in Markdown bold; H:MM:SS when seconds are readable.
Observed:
**5:29**
